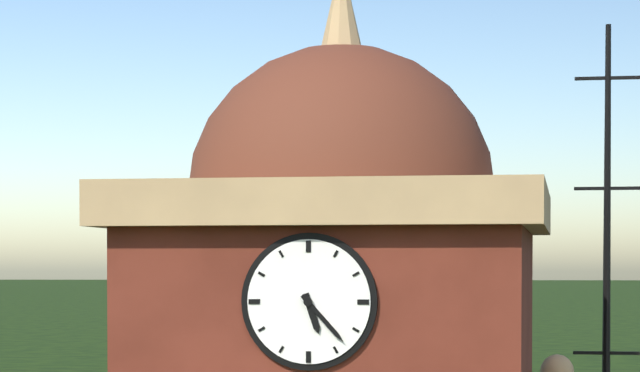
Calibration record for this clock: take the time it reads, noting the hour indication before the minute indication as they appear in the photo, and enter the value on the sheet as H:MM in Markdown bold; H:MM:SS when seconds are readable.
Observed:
**5:23**
